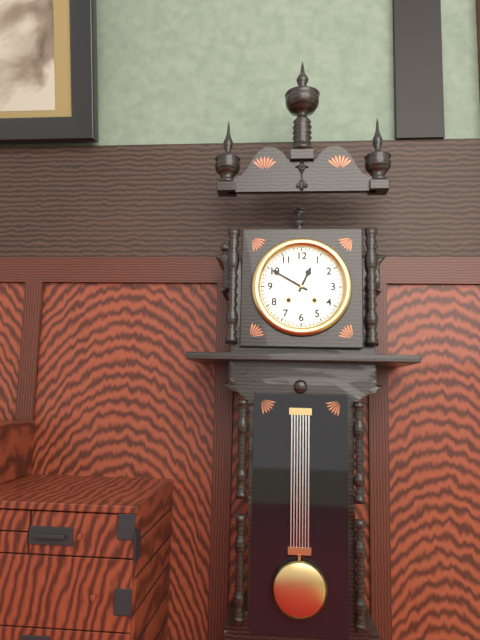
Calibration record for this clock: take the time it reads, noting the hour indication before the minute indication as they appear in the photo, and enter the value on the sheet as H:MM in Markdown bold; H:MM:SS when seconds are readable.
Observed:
**12:50**
